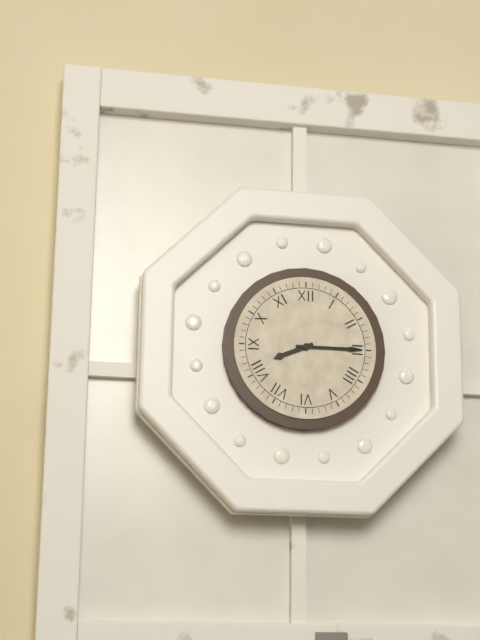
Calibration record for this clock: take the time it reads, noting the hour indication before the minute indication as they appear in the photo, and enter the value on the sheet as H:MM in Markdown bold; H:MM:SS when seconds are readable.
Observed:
**8:15**
